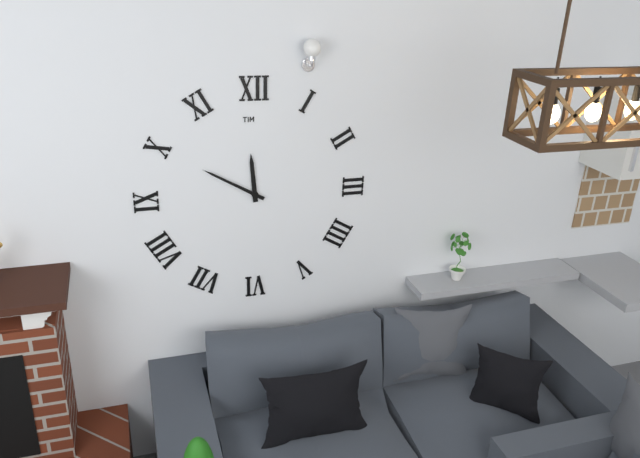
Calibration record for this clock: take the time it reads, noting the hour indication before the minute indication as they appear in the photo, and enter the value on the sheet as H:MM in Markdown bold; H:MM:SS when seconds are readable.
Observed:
**11:50**
